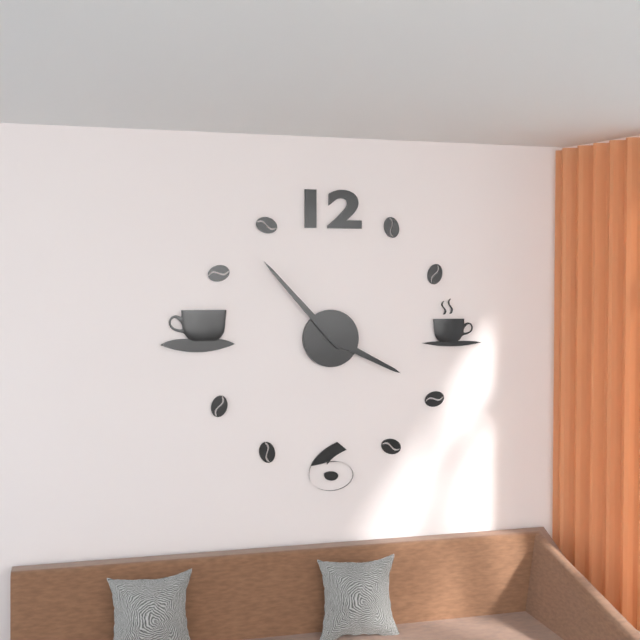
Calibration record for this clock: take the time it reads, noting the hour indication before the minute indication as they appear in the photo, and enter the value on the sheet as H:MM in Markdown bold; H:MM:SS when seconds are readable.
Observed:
**3:53**
